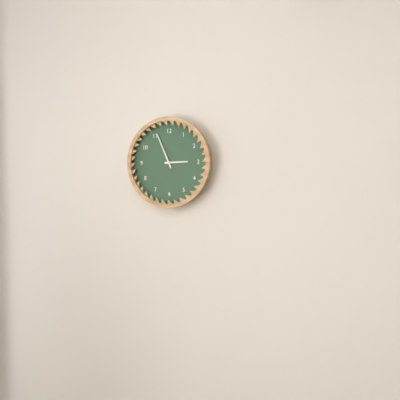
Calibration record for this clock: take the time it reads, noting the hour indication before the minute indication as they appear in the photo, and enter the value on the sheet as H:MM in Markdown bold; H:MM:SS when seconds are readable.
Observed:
**2:56**
